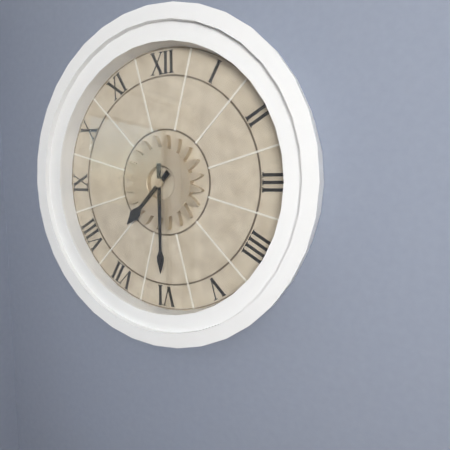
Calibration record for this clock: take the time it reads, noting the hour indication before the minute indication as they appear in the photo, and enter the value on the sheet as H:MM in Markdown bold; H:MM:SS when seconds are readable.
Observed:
**7:30**
